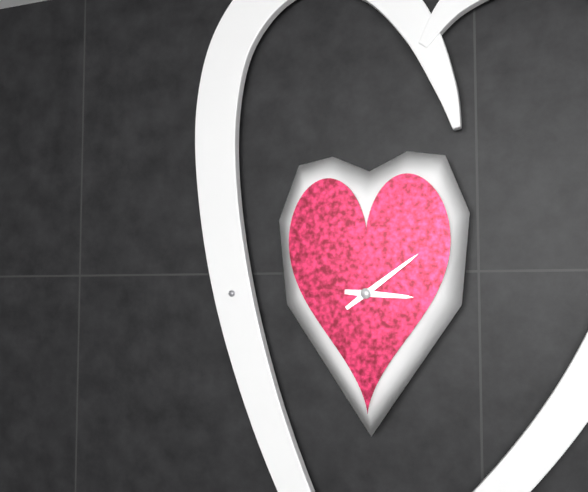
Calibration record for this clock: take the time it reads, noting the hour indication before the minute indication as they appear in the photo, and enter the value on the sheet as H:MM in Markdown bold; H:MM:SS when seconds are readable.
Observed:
**3:09**
